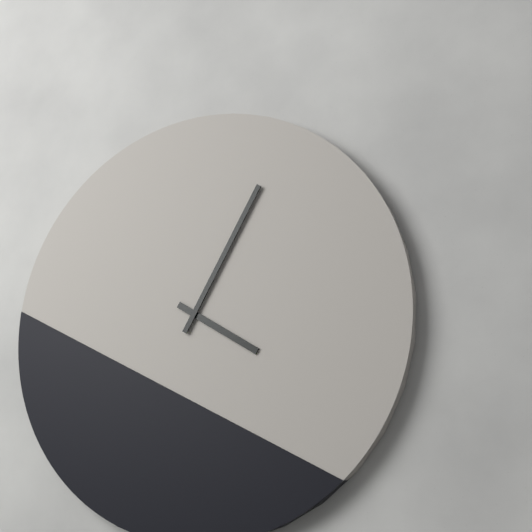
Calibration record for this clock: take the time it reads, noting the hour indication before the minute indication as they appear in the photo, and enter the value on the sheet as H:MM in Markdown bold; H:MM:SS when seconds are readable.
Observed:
**4:05**
